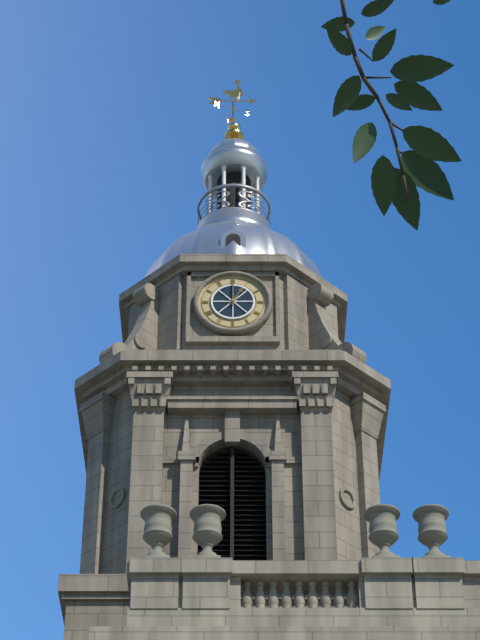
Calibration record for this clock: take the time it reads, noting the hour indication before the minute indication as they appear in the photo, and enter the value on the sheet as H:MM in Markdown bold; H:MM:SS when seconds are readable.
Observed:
**1:00**
